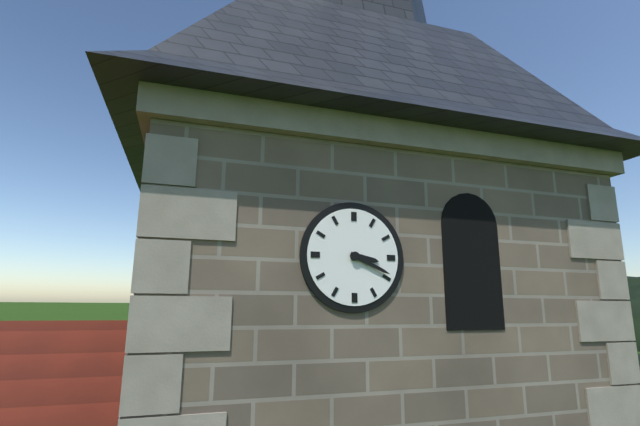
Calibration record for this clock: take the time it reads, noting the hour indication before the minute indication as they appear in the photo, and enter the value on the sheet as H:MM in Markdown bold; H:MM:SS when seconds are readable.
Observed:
**3:19**
